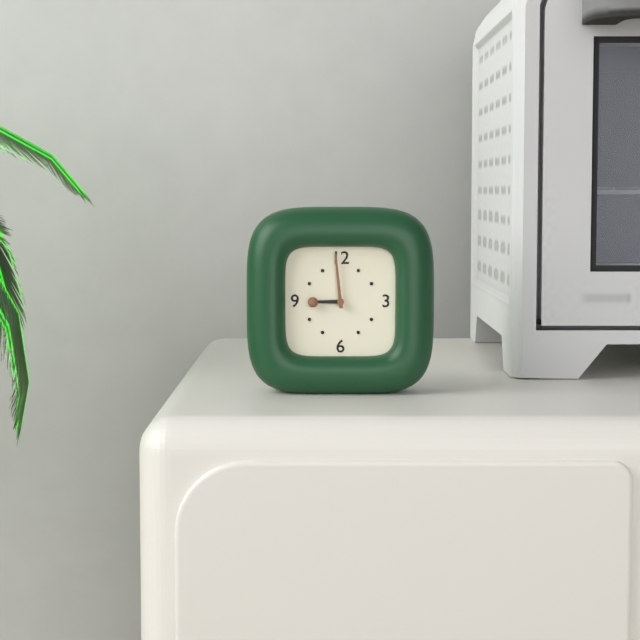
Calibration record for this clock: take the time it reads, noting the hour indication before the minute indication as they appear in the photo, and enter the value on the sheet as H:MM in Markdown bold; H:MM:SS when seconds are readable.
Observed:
**8:59**
